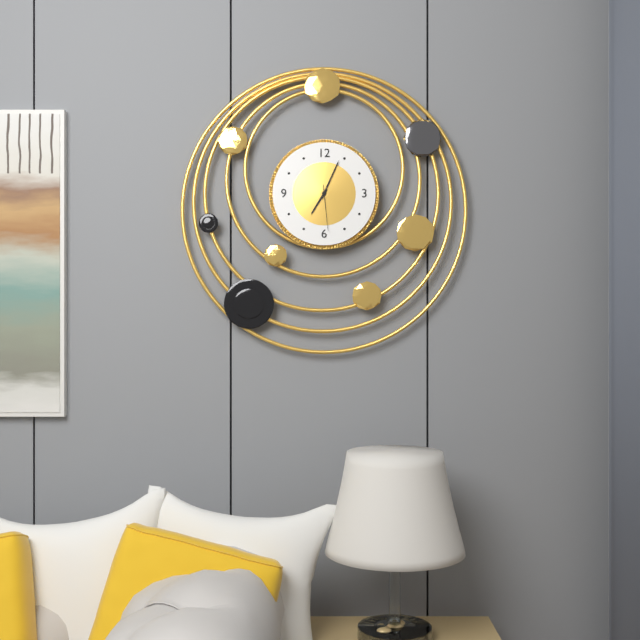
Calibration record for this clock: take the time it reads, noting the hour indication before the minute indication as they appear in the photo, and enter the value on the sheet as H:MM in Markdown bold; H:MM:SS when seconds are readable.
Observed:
**7:04**
